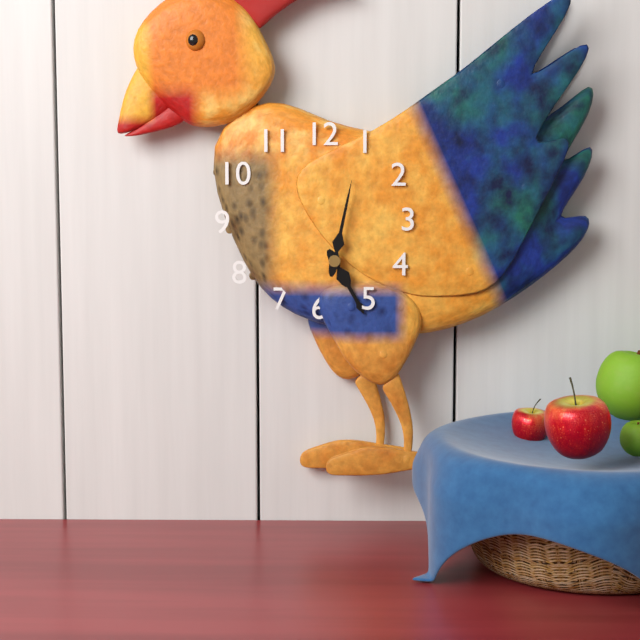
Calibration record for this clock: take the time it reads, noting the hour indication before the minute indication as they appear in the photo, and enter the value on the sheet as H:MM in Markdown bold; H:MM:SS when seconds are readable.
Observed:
**5:02**
